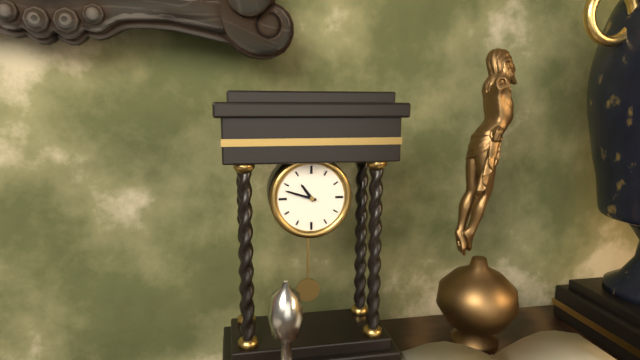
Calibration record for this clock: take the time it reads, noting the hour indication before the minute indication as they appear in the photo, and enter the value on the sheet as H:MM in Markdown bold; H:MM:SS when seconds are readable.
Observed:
**10:48**
